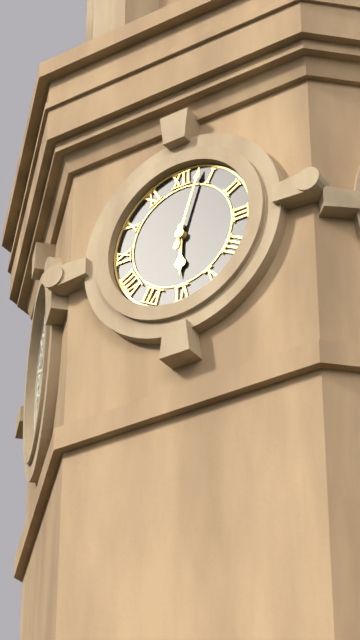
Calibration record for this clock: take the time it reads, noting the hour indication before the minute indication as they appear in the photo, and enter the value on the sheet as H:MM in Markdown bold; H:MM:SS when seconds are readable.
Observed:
**6:03**
